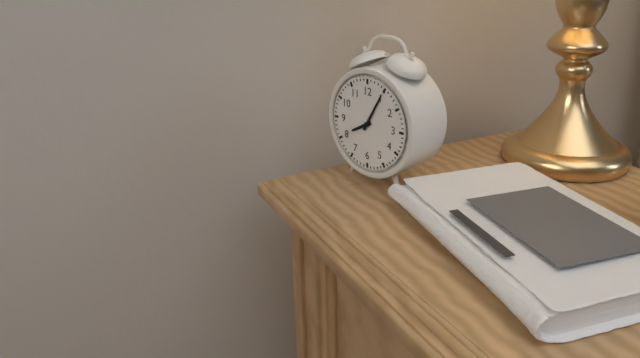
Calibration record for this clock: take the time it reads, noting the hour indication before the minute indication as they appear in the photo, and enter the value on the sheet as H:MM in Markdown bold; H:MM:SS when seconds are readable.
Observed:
**8:05**
